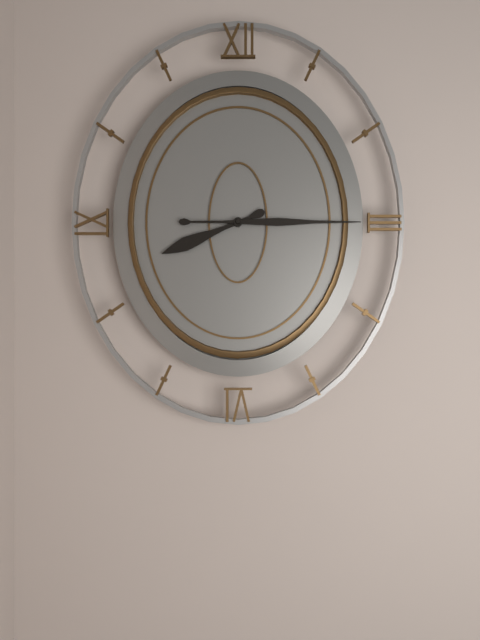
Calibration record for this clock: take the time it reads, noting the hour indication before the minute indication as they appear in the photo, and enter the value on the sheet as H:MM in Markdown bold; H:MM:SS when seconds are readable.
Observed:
**8:15**
